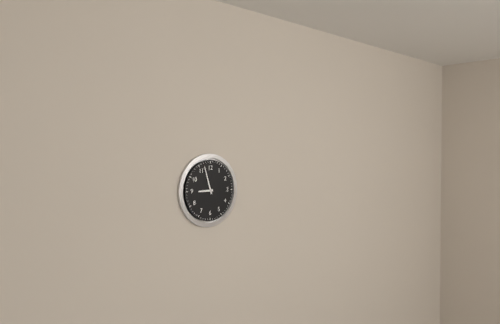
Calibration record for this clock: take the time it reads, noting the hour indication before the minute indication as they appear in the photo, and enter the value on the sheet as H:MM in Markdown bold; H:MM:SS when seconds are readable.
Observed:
**8:57**
